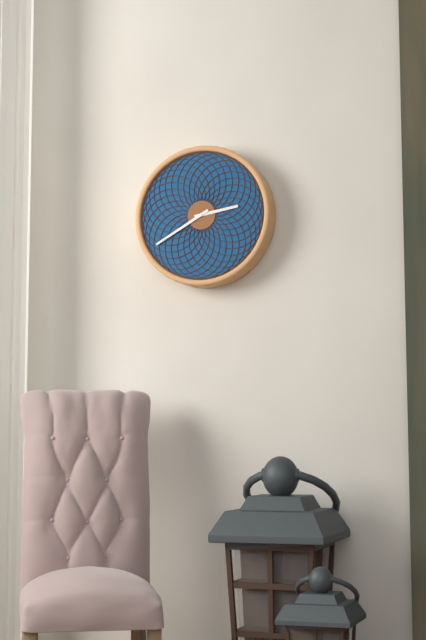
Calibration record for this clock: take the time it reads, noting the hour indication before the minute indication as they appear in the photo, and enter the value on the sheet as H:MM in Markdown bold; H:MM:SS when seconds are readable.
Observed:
**2:40**
